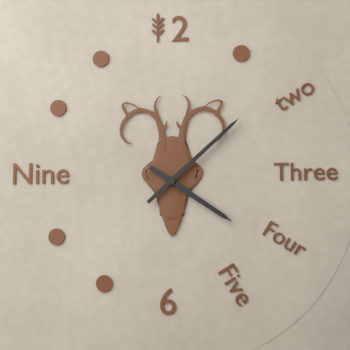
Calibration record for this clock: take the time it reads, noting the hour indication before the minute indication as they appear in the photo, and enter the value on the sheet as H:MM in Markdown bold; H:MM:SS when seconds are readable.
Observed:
**4:08**
